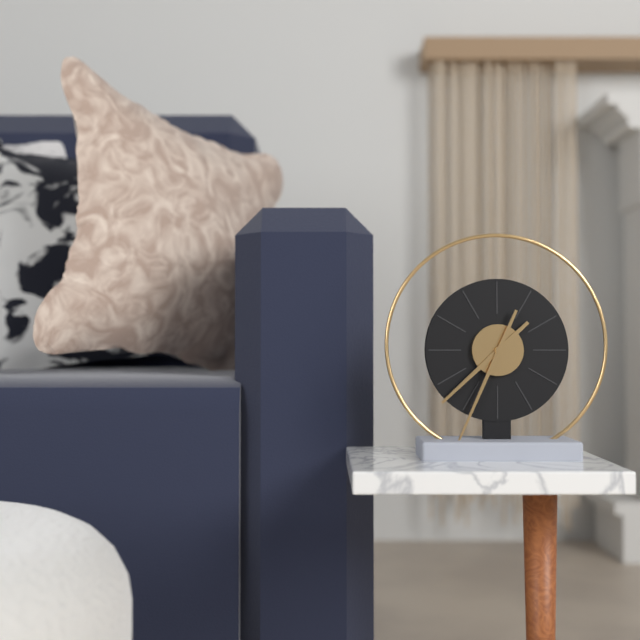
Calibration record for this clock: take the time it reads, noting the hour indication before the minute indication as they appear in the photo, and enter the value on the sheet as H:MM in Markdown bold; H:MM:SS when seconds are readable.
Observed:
**7:34**
